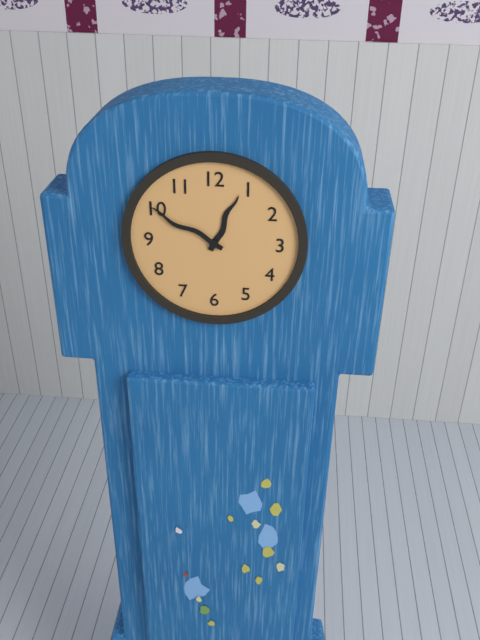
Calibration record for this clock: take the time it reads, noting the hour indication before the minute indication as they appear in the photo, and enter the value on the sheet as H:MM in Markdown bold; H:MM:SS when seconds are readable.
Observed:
**12:50**
